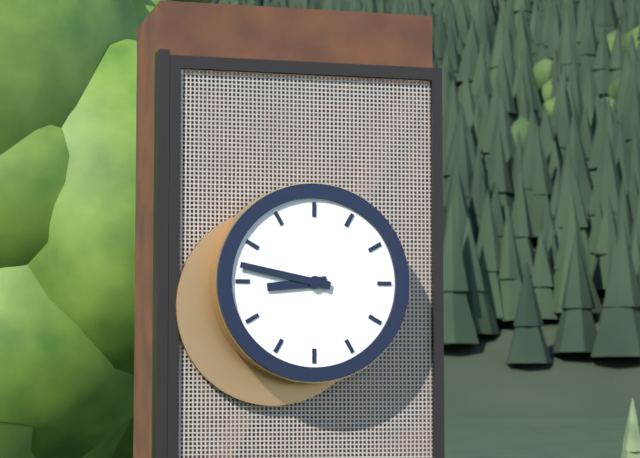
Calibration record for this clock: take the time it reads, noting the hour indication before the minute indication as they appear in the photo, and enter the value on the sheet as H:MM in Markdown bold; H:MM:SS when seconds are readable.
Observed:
**8:47**
